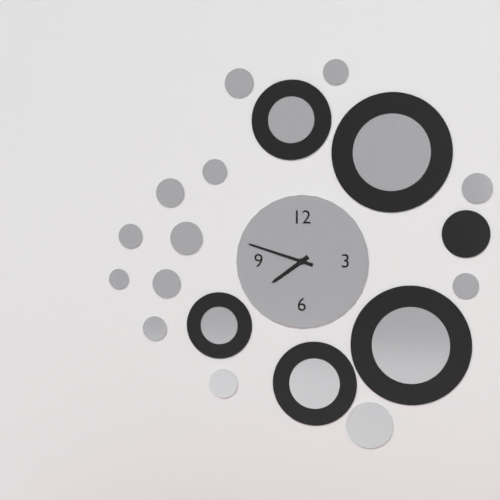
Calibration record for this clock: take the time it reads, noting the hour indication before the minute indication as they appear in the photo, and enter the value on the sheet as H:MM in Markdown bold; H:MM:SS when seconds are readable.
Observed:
**7:48**
